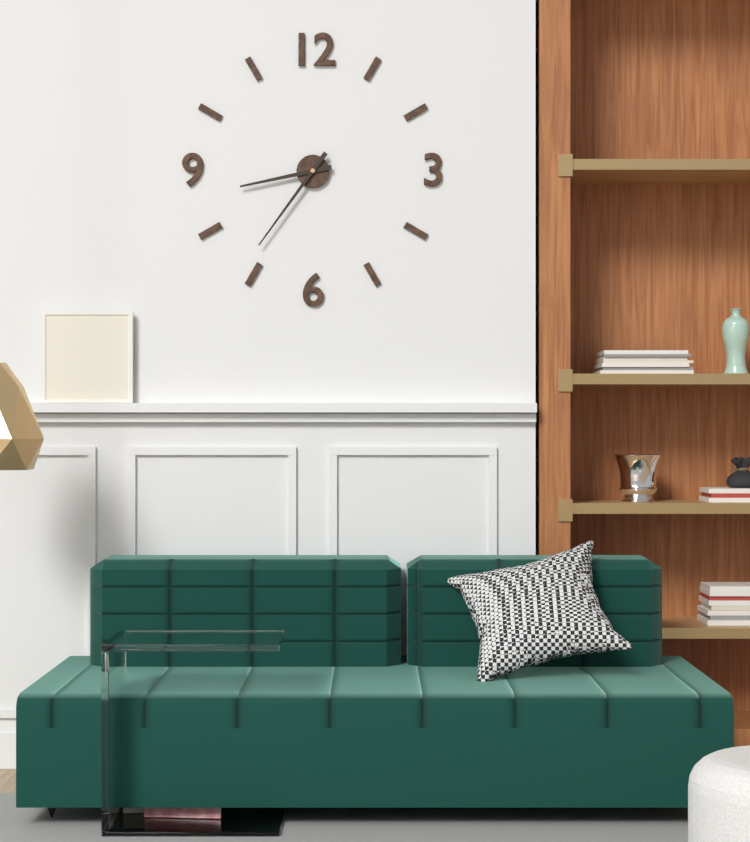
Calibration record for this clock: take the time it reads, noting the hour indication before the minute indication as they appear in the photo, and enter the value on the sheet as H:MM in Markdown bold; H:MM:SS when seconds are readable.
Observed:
**8:36**
